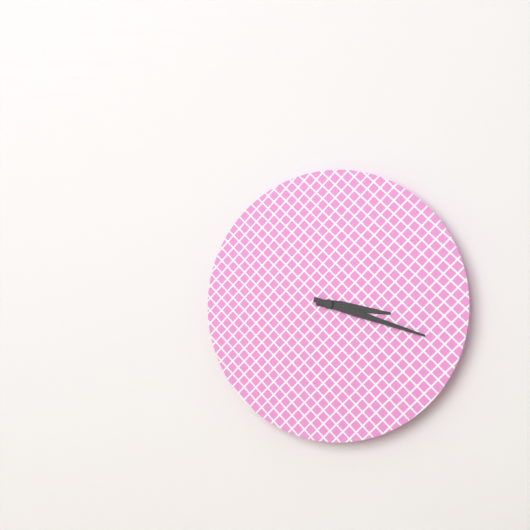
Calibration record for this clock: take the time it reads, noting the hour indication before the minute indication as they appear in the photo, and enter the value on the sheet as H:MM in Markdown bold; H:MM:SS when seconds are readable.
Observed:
**3:18**
